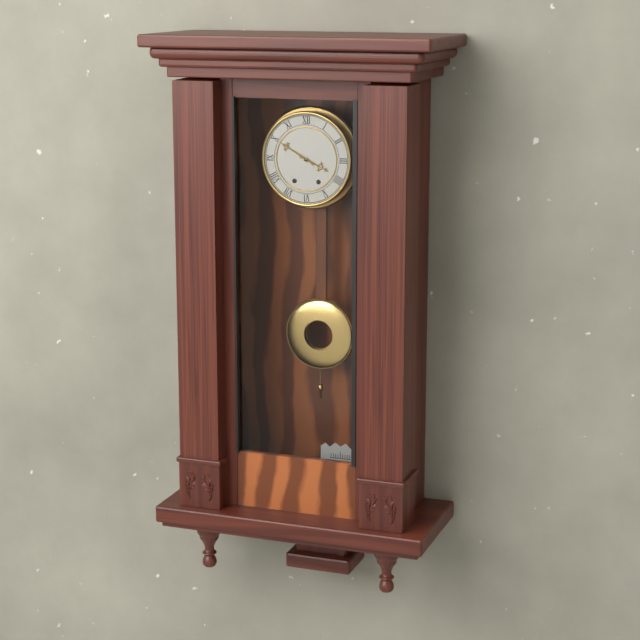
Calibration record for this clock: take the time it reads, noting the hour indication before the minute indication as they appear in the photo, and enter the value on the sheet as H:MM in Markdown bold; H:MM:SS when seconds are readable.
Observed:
**3:50**
